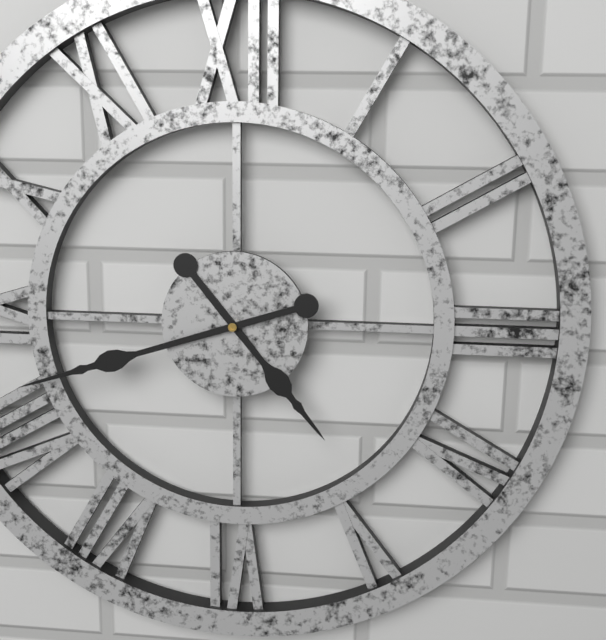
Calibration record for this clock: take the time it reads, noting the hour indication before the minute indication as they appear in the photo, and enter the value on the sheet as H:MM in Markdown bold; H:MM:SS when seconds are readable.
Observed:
**4:42**
